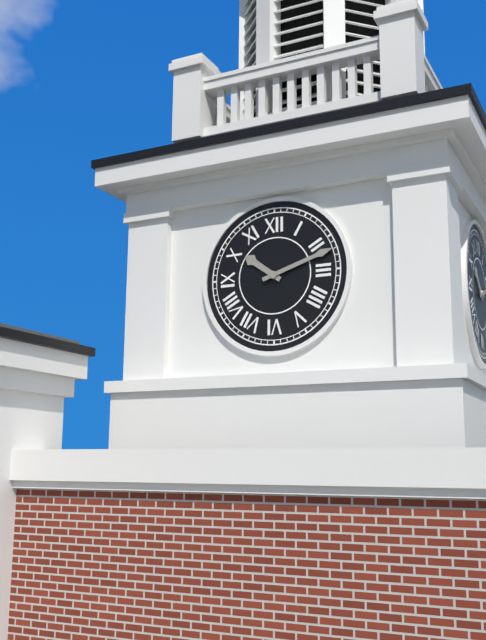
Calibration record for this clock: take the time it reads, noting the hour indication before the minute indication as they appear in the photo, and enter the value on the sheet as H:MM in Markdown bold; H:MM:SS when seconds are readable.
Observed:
**10:12**
